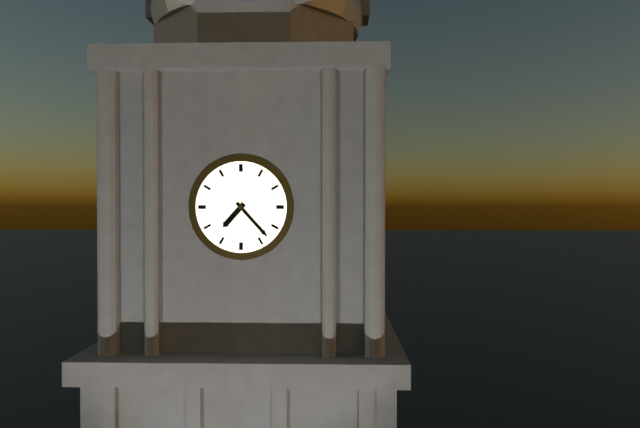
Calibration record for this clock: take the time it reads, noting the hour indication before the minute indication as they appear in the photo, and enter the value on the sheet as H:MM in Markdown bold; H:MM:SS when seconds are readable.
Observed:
**7:23**
